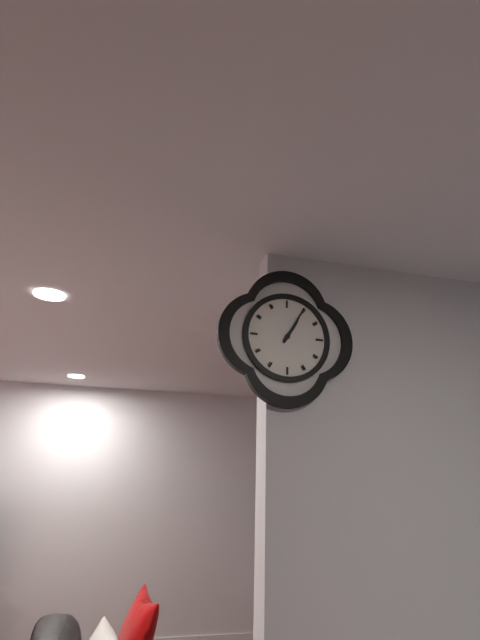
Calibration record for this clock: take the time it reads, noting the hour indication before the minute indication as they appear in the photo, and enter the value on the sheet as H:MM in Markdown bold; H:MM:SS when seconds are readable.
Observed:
**1:05**
